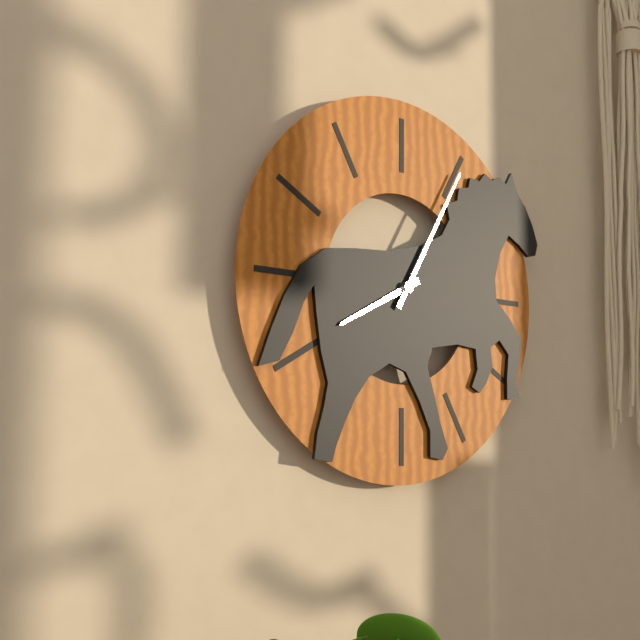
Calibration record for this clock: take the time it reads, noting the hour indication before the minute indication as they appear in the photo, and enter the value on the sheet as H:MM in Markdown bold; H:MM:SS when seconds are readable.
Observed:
**8:05**
